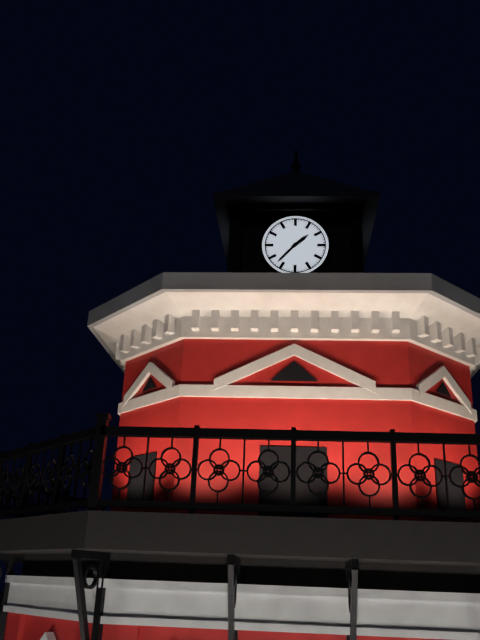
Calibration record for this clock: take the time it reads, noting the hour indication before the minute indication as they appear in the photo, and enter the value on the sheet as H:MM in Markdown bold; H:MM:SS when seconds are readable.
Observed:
**1:37**
